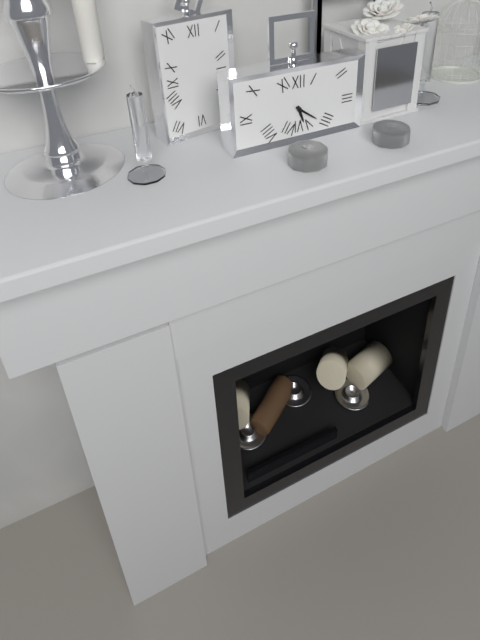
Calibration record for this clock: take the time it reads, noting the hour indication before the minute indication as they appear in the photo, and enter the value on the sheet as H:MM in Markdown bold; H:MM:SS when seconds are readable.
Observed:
**5:21**
